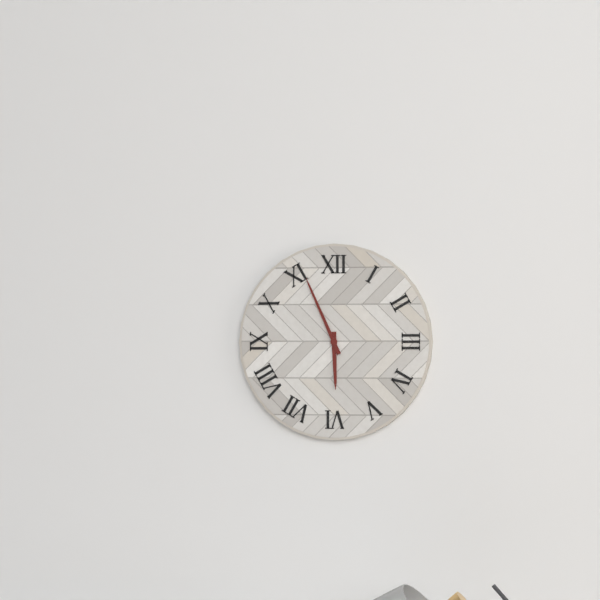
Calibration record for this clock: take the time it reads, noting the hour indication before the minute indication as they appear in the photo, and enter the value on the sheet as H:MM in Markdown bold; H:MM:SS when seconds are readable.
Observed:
**5:56**
